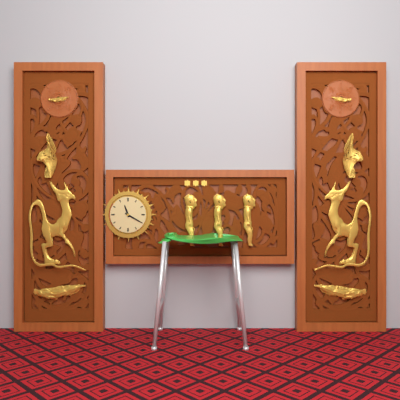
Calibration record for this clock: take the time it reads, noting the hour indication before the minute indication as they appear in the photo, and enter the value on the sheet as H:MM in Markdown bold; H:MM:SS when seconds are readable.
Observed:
**11:20**
